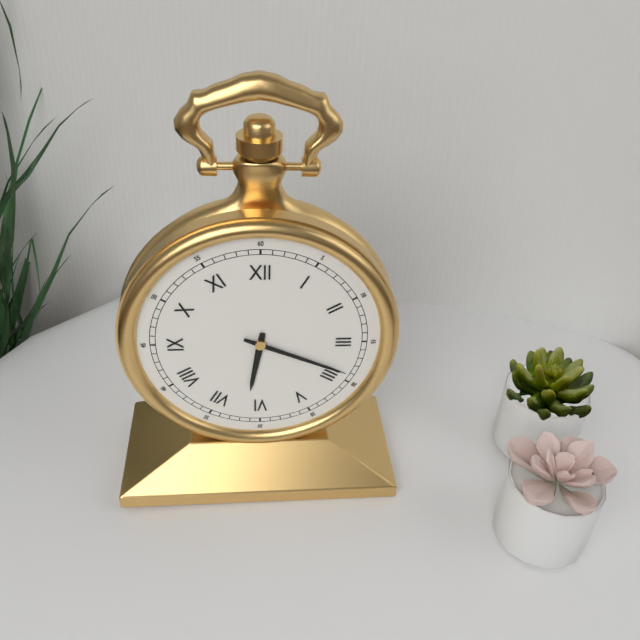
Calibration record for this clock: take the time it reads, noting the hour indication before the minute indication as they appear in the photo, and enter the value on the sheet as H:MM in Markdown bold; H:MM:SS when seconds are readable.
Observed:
**6:19**
